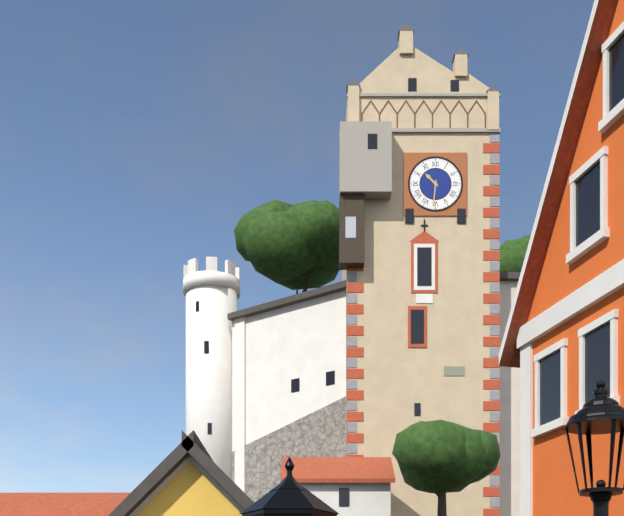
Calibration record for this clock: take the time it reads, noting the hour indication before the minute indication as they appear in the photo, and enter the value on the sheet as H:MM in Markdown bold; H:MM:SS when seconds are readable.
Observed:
**10:31**
